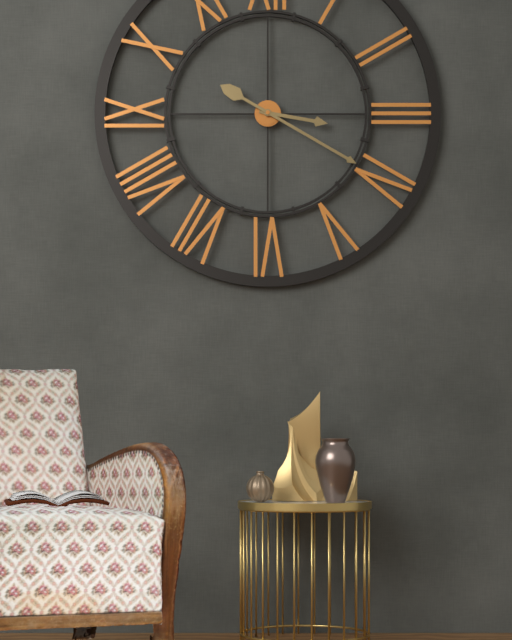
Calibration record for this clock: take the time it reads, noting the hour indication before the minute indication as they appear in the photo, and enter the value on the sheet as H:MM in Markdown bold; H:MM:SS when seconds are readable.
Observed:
**3:20**
